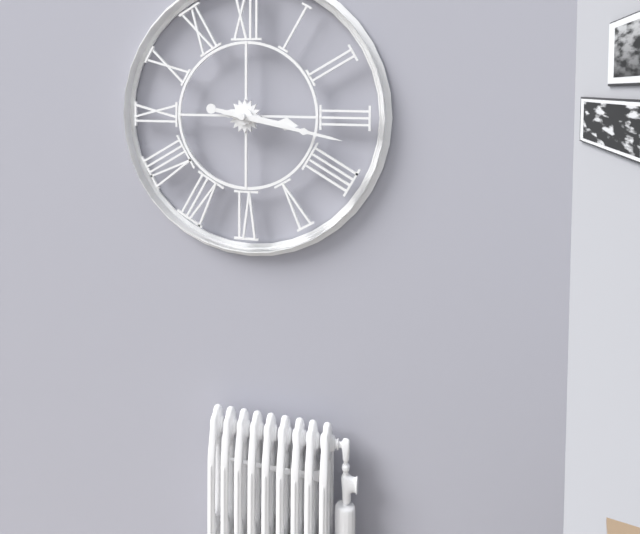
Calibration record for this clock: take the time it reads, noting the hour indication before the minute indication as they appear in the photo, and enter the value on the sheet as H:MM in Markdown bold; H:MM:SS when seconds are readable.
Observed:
**3:17**
